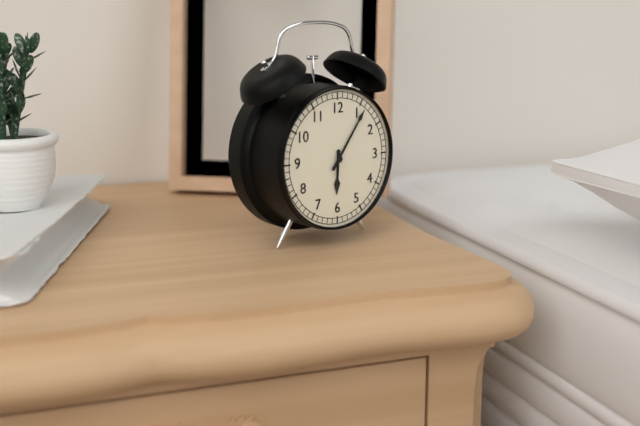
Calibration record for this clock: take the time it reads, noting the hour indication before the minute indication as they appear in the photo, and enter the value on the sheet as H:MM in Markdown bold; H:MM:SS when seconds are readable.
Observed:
**6:06**
